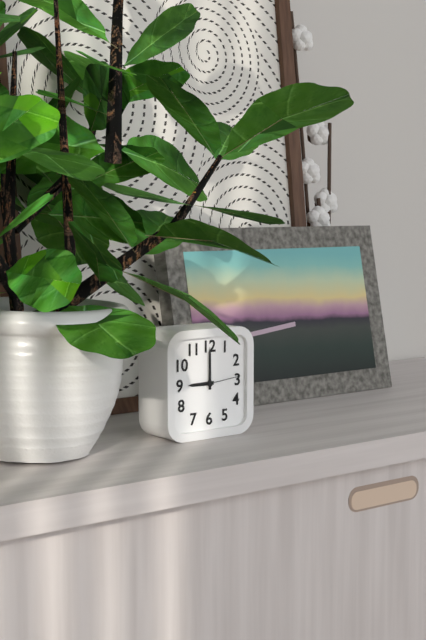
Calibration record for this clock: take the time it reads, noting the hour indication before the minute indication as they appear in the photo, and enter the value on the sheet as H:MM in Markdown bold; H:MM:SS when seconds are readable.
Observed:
**9:00**
